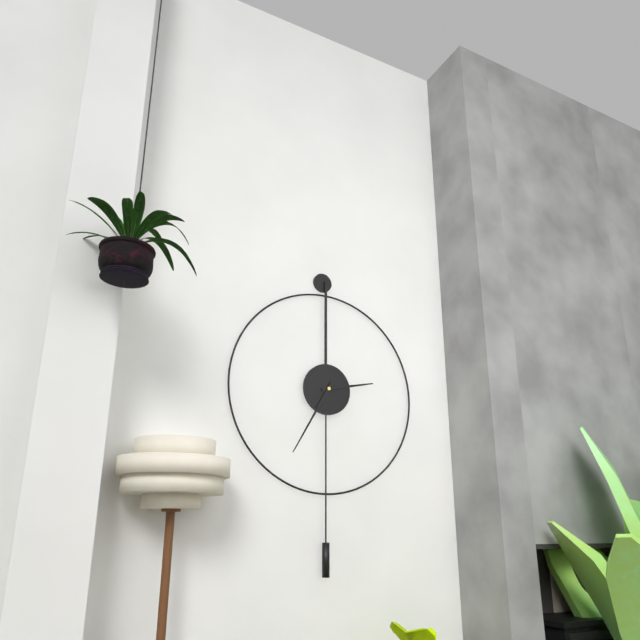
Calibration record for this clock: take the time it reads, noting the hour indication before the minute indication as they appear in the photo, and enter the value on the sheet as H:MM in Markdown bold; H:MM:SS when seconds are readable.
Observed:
**2:35**
